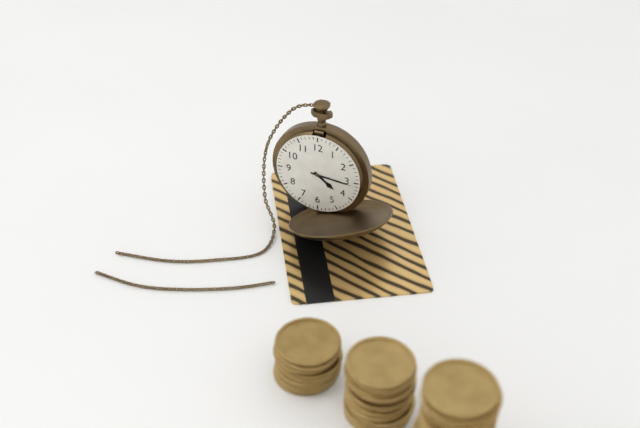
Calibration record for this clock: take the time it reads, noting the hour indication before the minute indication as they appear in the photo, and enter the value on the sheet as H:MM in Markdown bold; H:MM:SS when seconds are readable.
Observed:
**4:16**
